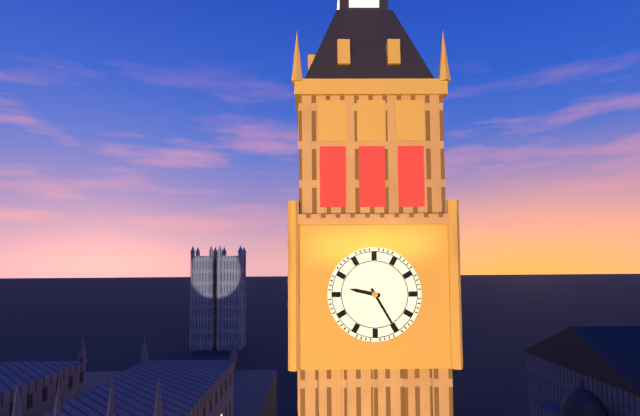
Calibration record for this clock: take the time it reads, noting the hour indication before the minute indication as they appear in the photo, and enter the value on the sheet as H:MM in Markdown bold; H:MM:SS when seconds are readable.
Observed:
**9:25**
